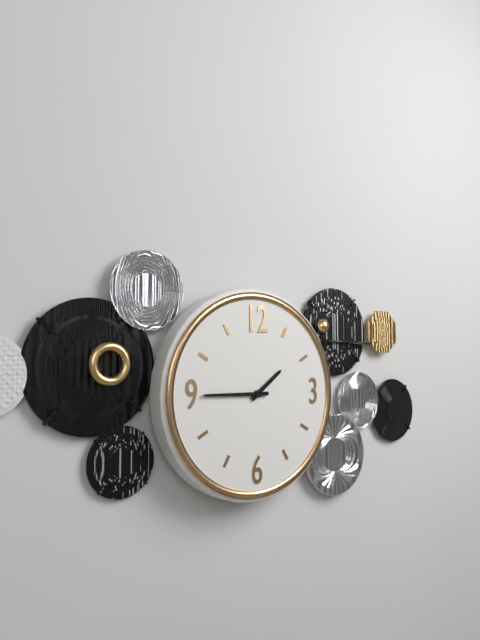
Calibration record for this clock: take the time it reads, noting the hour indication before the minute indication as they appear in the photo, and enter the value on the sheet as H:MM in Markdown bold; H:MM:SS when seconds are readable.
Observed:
**1:45**
